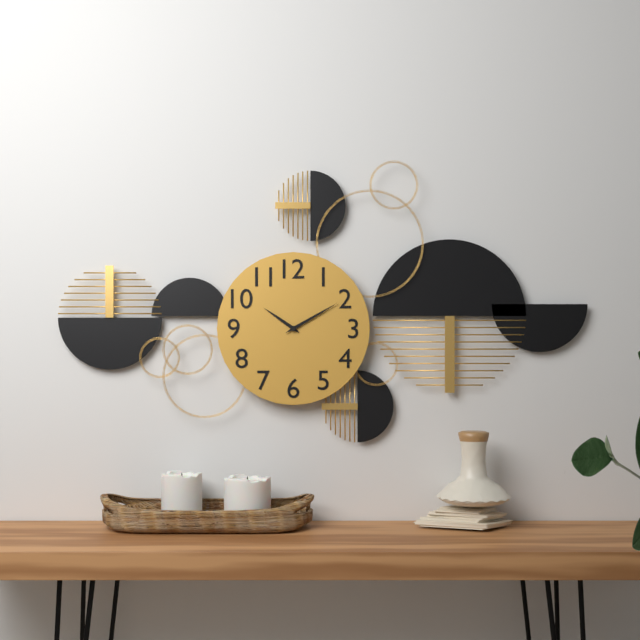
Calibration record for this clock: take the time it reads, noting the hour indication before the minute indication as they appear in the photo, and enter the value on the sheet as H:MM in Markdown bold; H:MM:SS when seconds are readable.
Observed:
**10:10**
